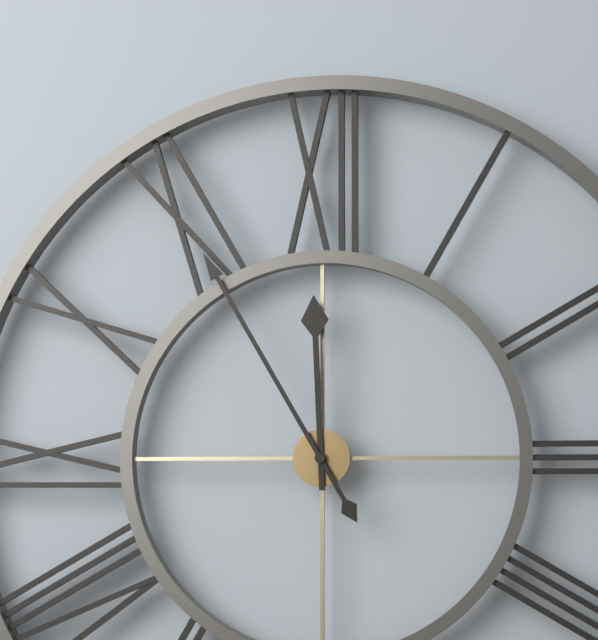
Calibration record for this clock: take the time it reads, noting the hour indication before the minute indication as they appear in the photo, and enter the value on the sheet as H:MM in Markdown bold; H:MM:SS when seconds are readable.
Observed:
**11:55**
